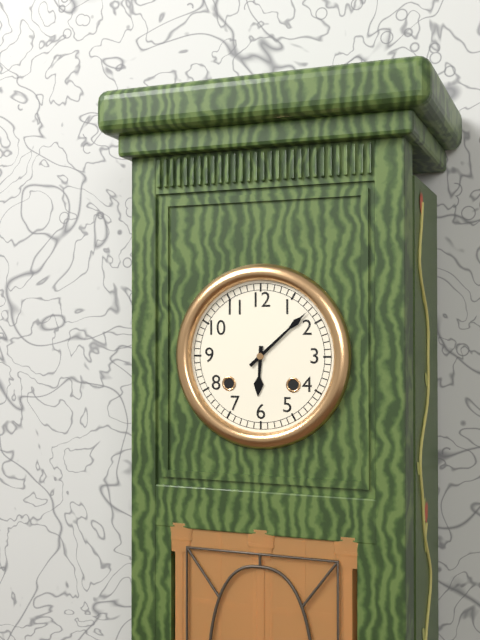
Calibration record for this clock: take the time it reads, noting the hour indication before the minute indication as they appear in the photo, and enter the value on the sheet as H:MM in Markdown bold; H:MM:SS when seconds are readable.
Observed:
**6:08**
